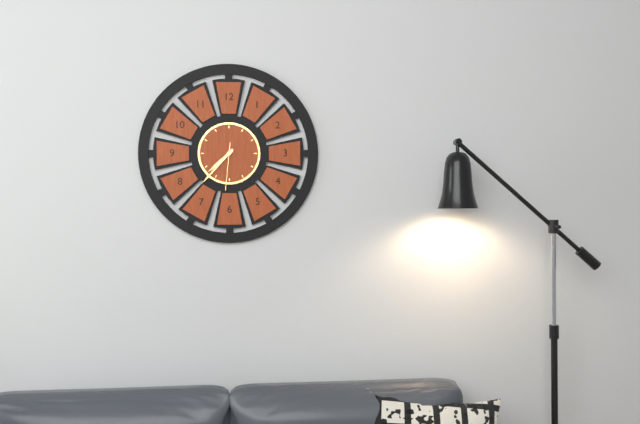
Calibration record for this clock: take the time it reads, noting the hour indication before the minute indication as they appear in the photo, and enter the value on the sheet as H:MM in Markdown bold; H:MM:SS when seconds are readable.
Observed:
**7:37**
